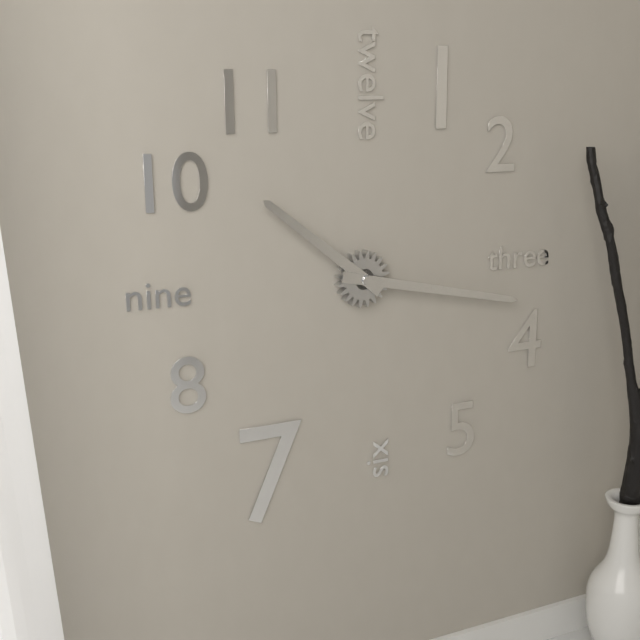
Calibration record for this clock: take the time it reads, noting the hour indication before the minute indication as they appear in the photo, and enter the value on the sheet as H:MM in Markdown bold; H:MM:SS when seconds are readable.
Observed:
**10:17**
